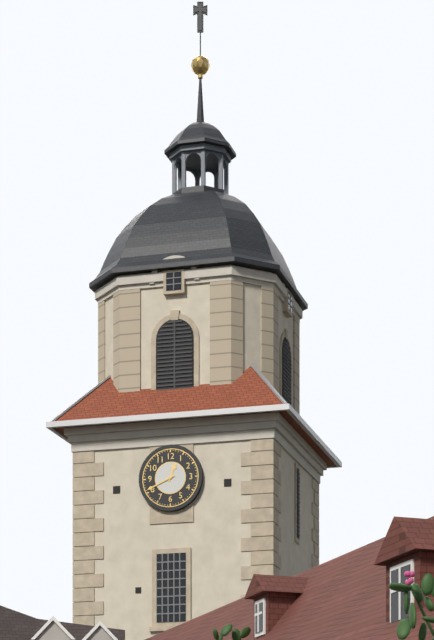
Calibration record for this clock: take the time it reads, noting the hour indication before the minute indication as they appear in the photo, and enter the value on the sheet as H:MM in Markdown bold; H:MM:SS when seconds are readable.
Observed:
**12:41**
